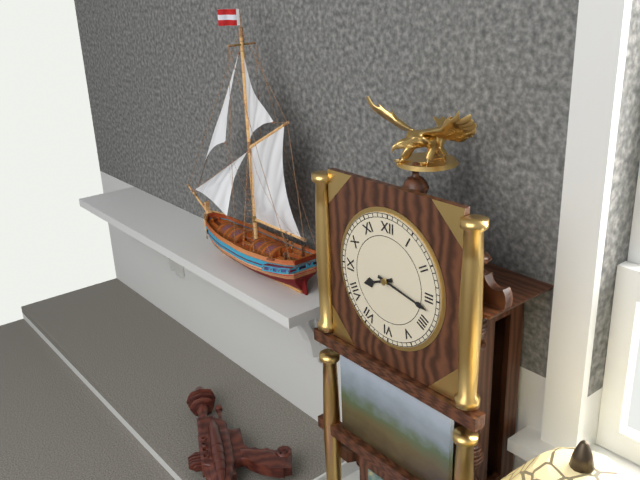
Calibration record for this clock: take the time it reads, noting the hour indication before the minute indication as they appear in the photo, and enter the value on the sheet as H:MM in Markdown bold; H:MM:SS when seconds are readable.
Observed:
**8:17**
